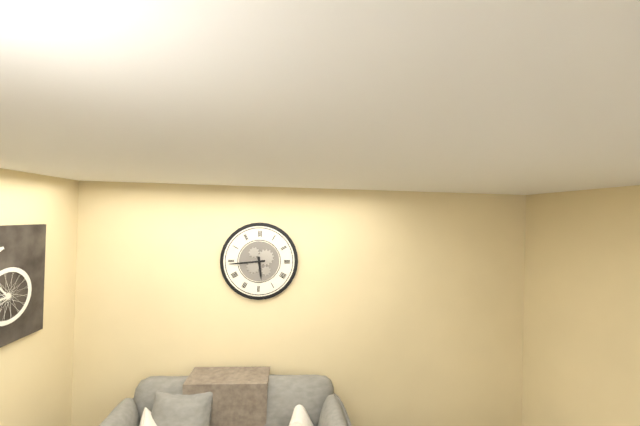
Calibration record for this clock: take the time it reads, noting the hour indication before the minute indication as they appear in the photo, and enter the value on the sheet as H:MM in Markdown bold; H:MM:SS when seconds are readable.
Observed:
**5:44**
